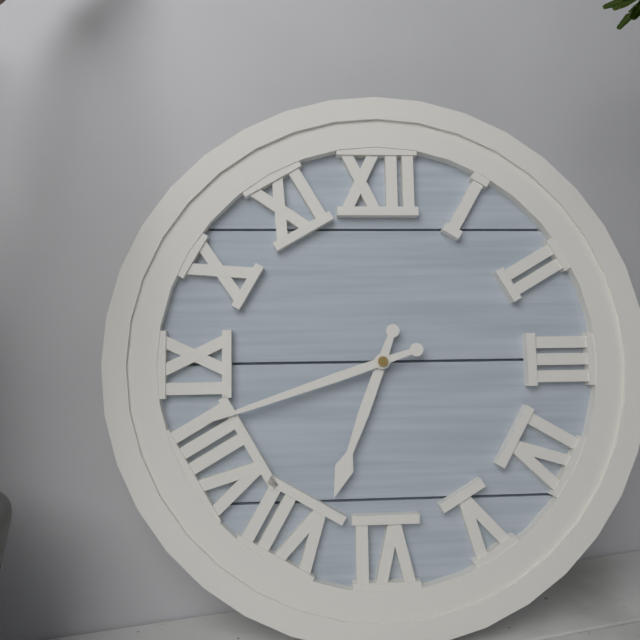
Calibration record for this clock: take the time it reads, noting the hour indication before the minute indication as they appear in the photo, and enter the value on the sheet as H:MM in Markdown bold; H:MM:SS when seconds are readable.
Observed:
**6:42**
